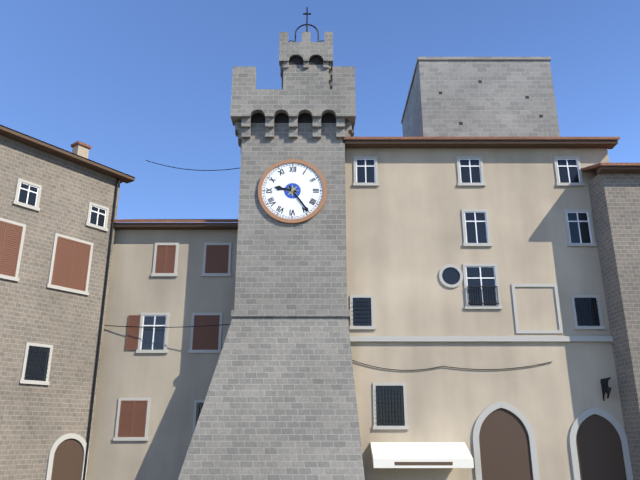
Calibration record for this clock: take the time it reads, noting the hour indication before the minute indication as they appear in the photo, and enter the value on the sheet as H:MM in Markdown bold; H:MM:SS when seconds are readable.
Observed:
**9:24**
